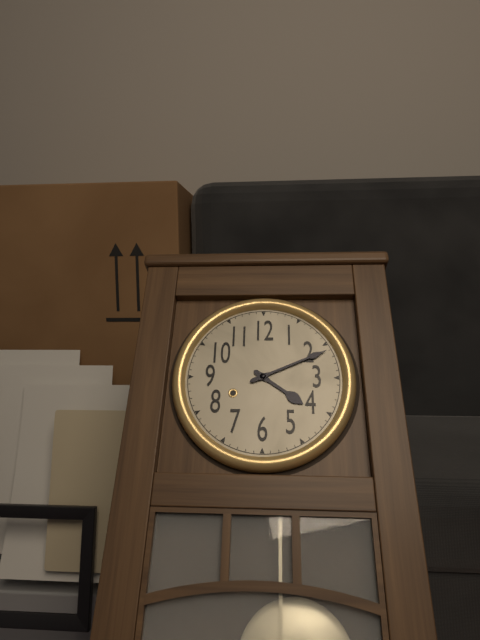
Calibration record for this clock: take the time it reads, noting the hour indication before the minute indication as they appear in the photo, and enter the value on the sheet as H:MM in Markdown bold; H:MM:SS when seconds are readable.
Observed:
**4:11**
